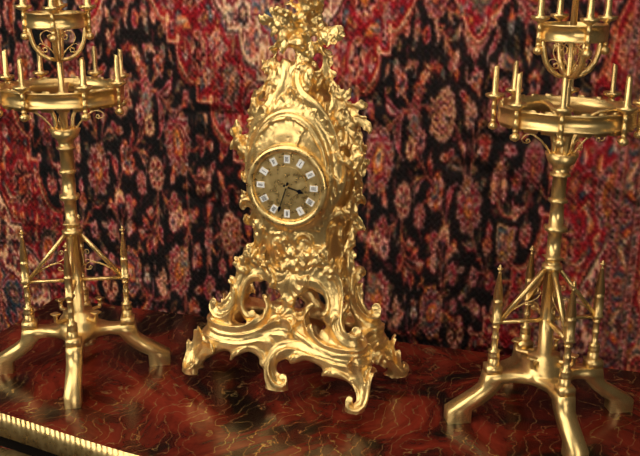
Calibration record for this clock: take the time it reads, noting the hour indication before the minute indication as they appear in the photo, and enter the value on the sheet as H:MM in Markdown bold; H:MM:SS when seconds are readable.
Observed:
**3:33**
